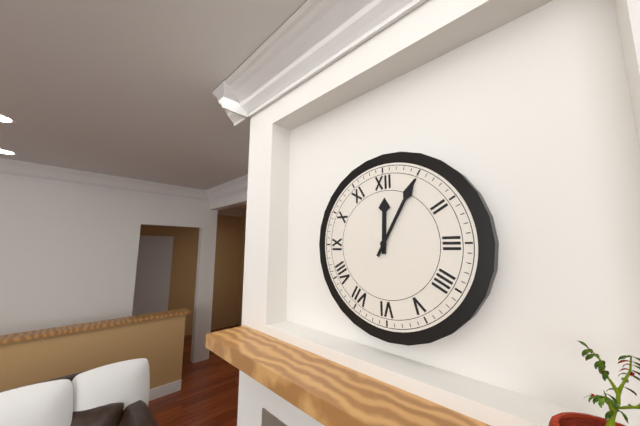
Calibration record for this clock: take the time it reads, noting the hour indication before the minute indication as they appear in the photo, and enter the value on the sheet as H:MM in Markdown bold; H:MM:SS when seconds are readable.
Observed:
**12:05**
